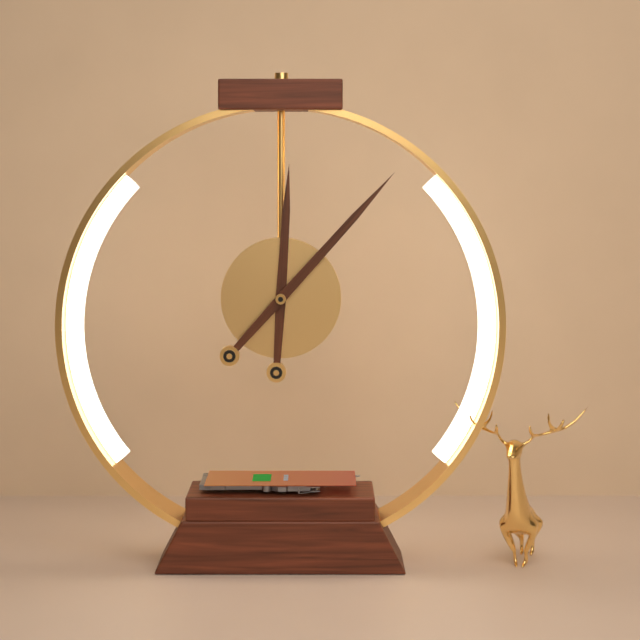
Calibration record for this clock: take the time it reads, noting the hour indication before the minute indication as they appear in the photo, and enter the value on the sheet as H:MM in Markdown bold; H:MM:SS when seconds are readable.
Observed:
**12:07**
